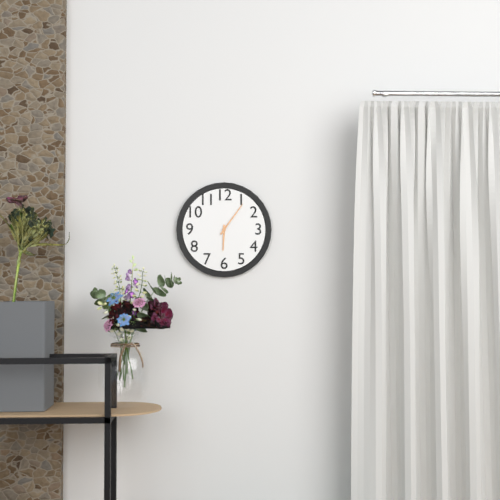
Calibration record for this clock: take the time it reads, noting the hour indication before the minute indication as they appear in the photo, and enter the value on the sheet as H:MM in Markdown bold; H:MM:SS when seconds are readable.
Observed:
**6:06**
